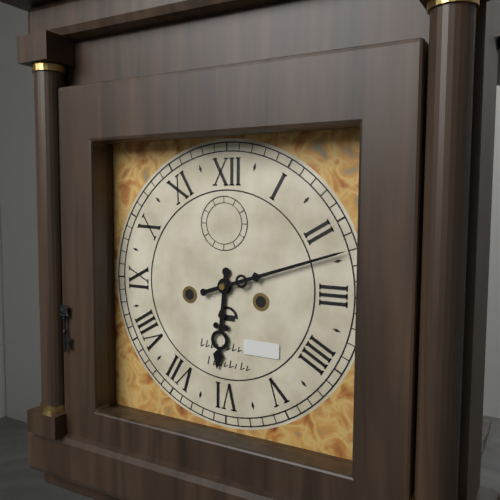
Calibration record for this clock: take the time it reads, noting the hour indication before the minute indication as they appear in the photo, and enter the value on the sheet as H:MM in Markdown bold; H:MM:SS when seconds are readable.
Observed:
**6:12**
